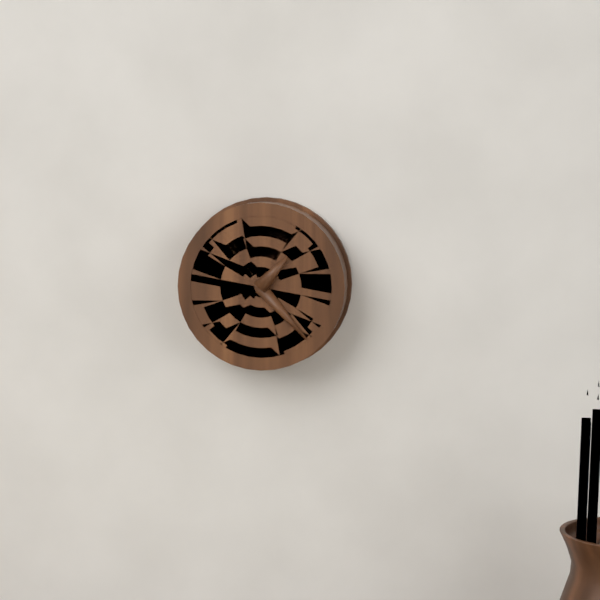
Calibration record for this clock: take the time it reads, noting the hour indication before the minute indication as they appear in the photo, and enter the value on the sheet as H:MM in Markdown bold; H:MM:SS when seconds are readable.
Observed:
**1:23**
